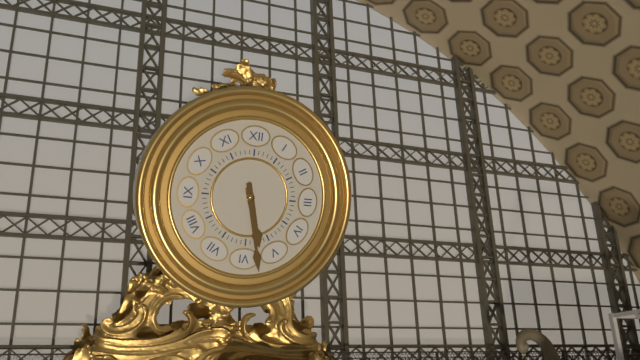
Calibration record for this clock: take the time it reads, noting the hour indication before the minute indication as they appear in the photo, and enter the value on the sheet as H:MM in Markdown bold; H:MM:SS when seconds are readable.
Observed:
**5:28**
